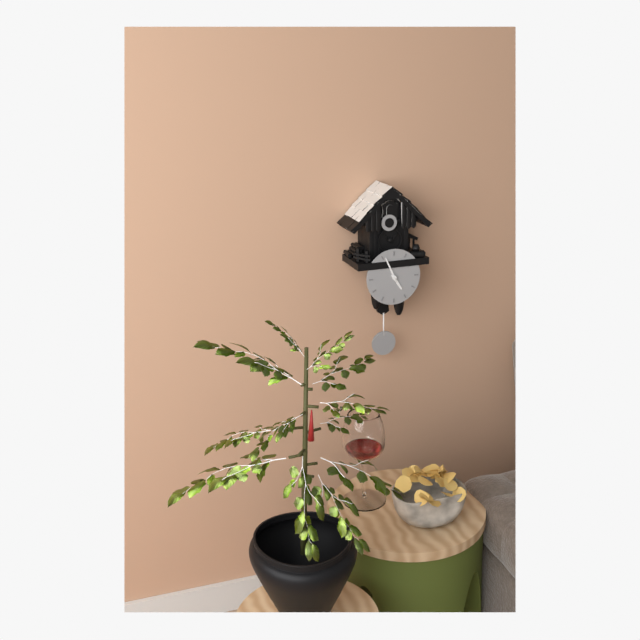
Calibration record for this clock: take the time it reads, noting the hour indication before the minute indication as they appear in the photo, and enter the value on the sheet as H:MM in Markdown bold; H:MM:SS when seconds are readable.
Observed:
**4:56**
